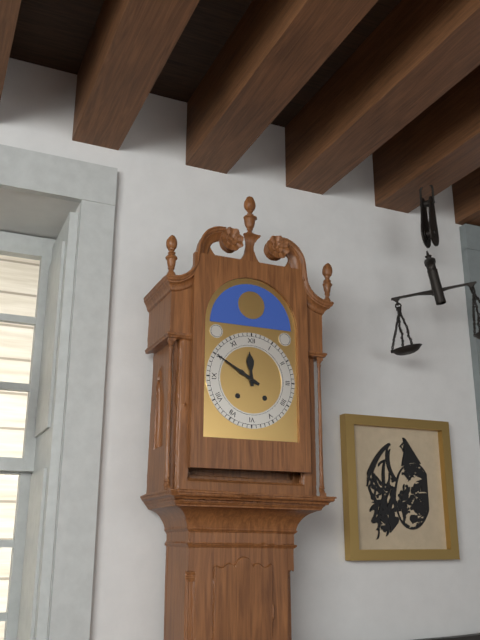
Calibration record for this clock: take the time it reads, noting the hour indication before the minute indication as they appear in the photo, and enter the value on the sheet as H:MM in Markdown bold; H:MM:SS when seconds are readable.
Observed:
**11:50**
